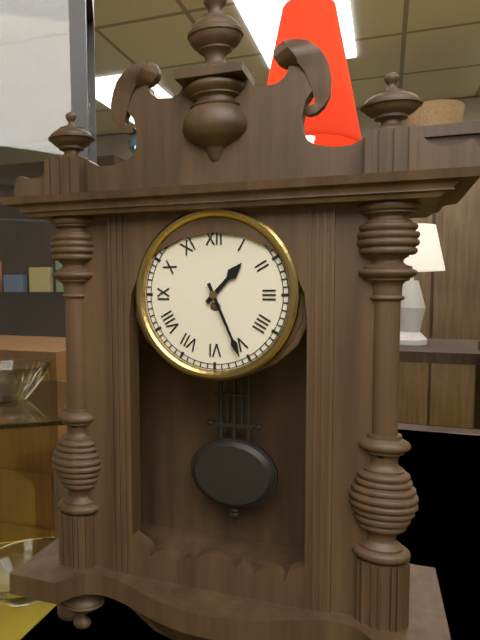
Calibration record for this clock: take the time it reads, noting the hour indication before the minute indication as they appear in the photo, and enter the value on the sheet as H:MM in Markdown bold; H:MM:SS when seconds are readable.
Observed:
**1:26**
